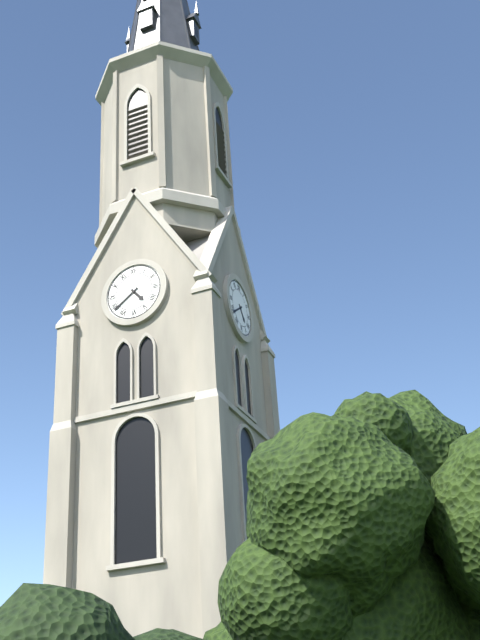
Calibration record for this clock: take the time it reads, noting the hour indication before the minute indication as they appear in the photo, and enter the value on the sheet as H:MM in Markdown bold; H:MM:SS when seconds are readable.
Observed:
**4:39**
